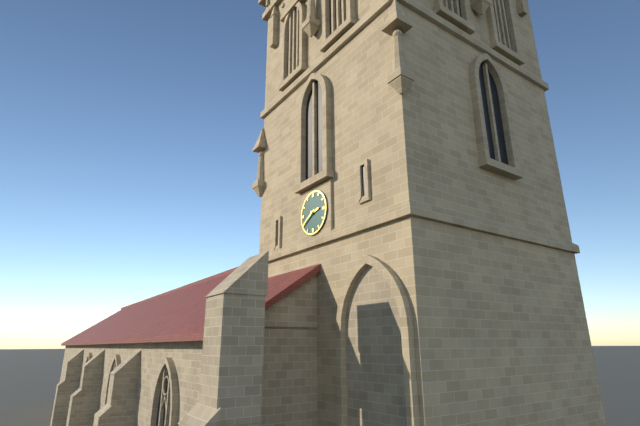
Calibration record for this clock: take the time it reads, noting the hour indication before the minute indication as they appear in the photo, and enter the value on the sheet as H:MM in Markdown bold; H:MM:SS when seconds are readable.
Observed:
**2:40**
